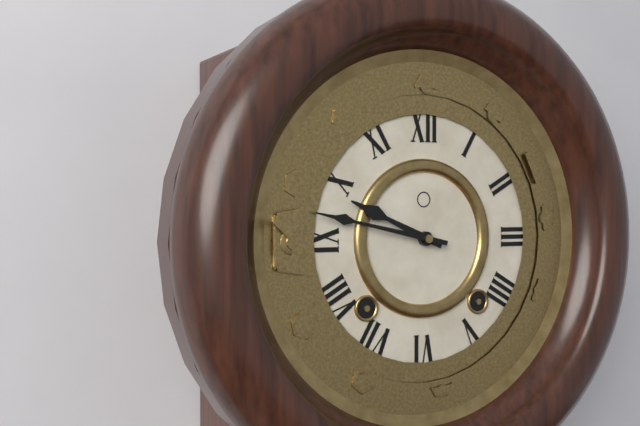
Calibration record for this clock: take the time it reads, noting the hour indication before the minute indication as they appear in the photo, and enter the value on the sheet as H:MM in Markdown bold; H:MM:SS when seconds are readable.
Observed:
**9:47**
